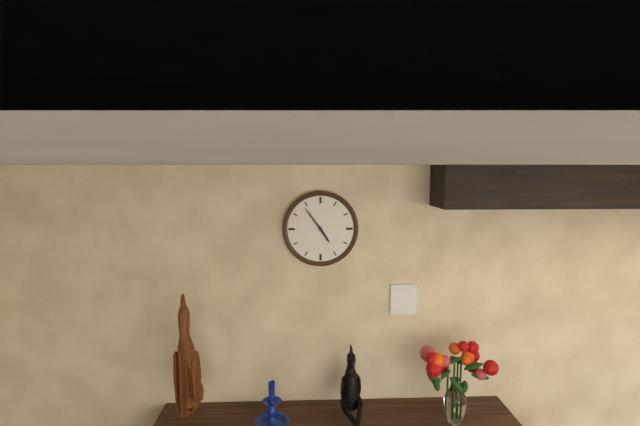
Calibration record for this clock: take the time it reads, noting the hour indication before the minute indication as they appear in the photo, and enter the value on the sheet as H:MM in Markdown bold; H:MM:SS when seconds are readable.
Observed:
**4:54**
